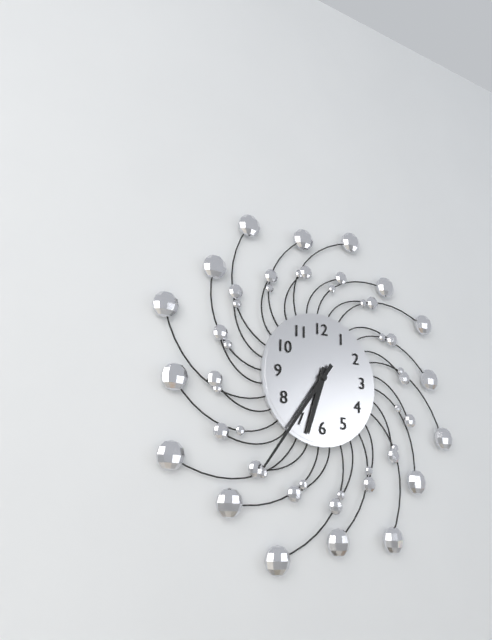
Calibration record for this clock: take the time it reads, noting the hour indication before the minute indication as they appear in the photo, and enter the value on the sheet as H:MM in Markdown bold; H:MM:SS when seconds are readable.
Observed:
**6:36**
